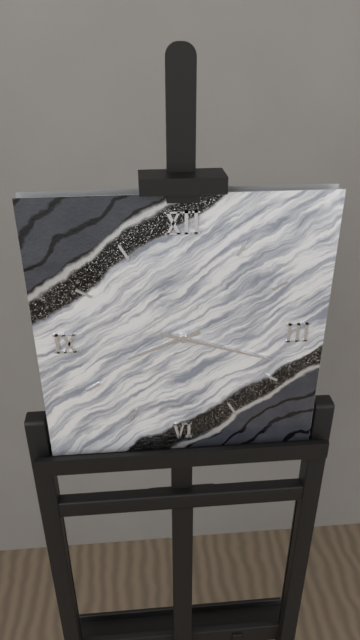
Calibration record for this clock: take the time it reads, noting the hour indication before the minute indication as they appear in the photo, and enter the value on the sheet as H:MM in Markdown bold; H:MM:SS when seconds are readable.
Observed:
**8:18**
